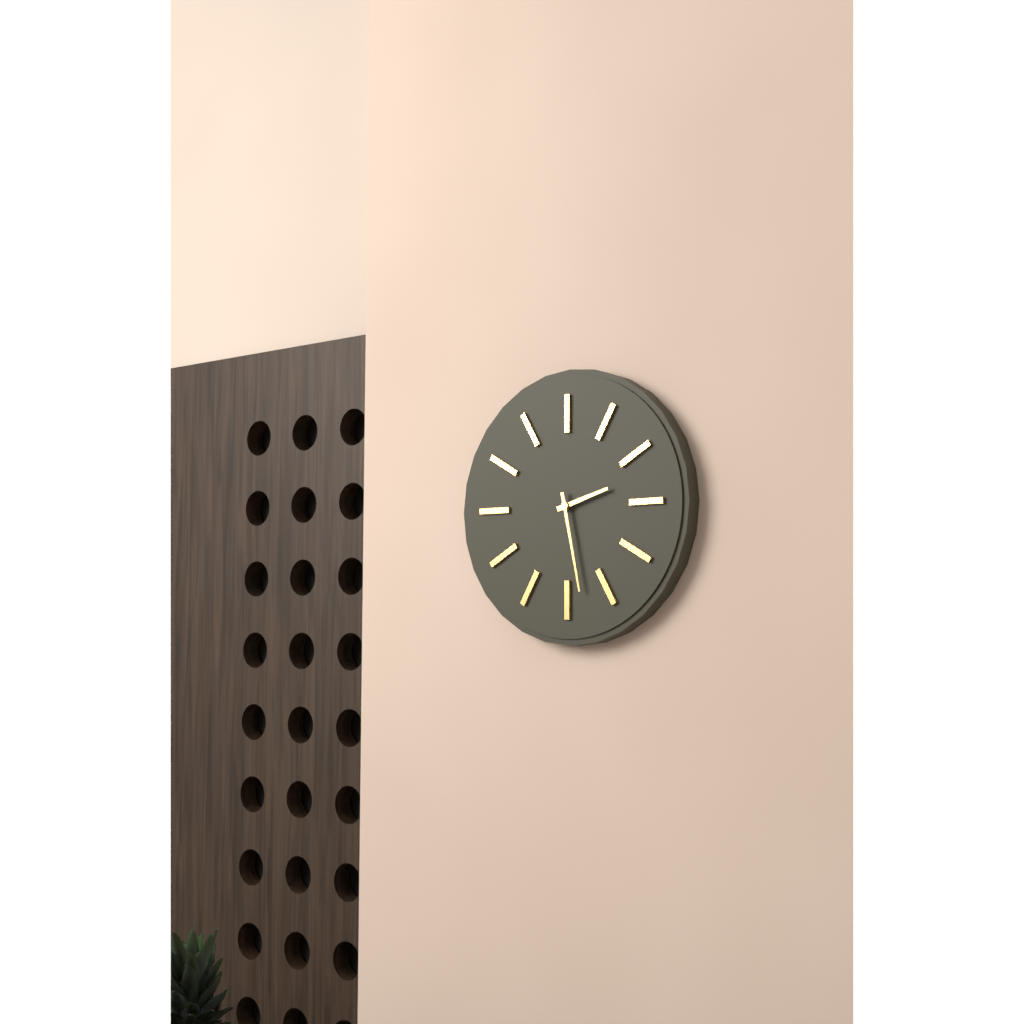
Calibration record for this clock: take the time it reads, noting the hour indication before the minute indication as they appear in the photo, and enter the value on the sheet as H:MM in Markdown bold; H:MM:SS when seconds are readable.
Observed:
**2:28**
